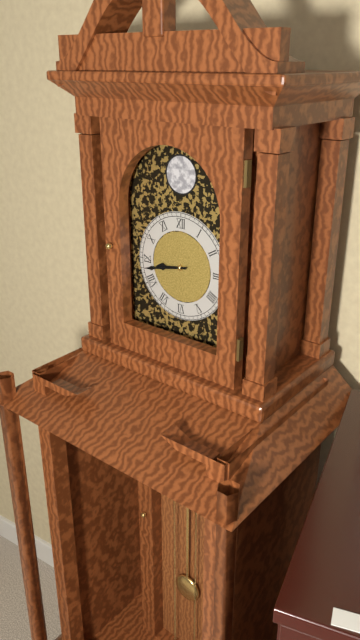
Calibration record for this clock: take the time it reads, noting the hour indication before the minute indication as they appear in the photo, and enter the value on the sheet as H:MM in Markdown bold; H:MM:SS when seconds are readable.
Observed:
**8:43**
